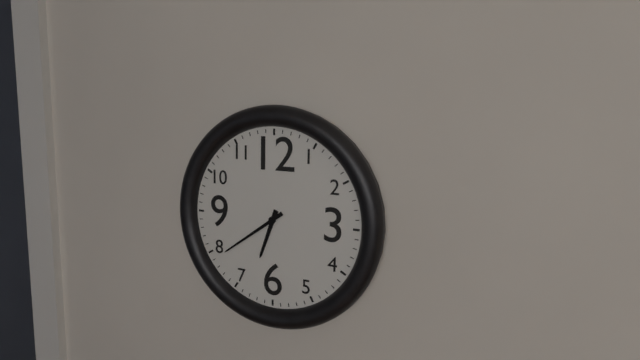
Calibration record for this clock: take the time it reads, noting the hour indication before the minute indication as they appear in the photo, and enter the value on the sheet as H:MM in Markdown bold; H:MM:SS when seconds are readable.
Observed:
**6:39**
